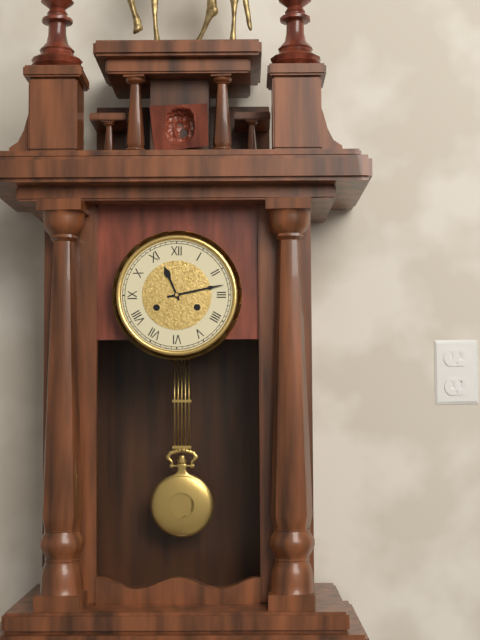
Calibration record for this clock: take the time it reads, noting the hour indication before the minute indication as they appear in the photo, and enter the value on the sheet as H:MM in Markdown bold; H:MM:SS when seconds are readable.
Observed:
**11:13**
